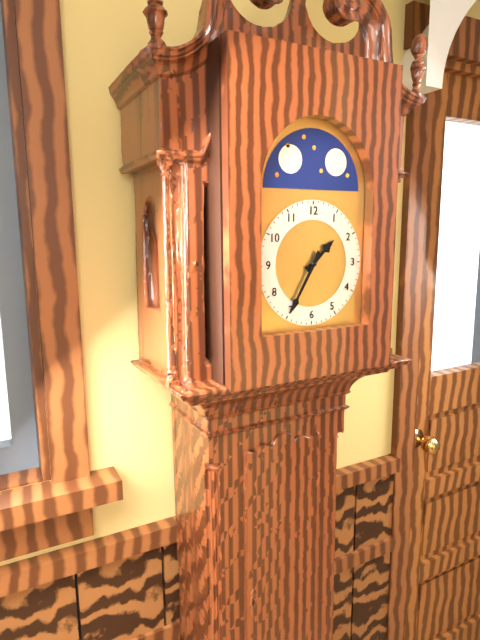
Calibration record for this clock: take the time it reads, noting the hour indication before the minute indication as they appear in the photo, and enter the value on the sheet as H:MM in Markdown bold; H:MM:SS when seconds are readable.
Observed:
**1:35**
